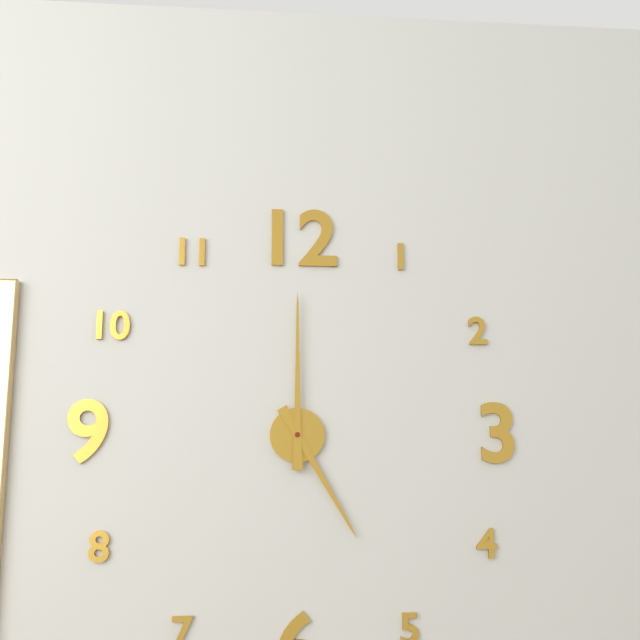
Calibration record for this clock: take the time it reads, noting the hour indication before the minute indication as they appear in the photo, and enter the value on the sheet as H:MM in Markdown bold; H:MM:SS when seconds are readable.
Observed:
**5:00**
